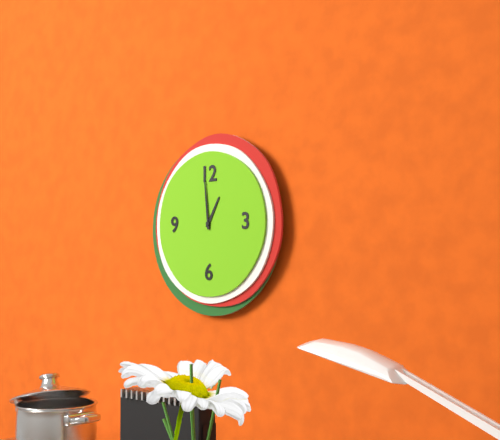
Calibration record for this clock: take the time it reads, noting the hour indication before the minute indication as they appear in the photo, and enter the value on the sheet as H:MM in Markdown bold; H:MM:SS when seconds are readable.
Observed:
**12:59**
